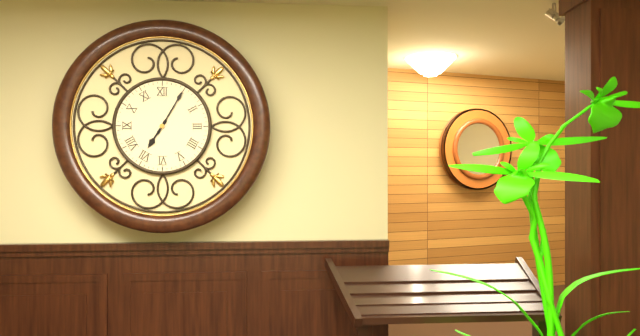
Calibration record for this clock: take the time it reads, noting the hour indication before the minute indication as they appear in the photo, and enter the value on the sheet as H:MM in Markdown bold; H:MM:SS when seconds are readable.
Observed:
**7:05**
